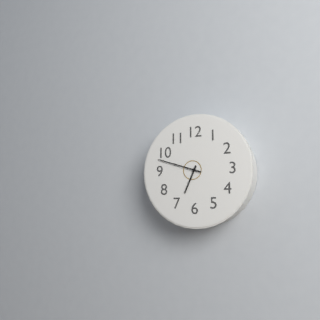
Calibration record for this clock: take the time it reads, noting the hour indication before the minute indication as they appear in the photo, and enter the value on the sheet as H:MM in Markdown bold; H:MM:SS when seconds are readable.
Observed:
**6:48**
